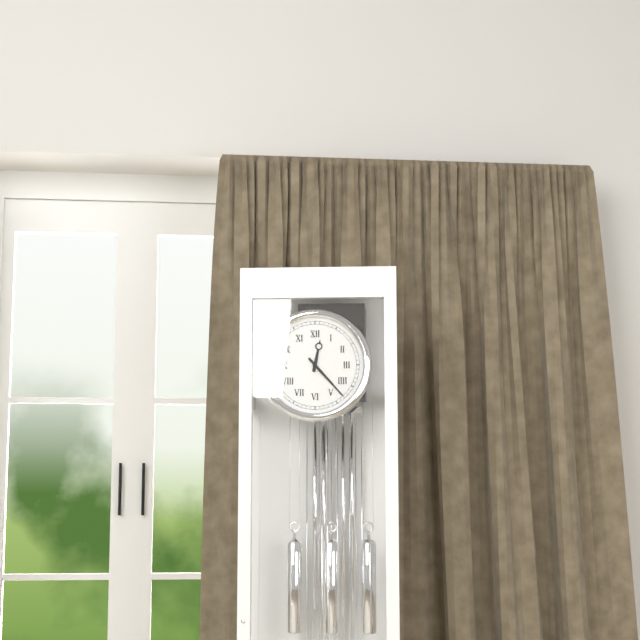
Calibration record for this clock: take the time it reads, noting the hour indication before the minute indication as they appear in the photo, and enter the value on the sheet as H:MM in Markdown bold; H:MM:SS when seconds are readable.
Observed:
**12:23**
